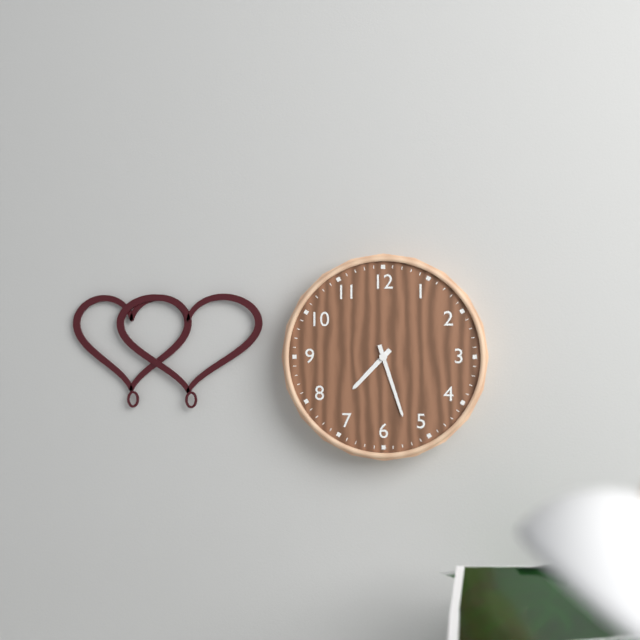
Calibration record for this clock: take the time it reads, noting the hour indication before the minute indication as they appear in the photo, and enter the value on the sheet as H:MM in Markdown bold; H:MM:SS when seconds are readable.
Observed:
**7:27**
